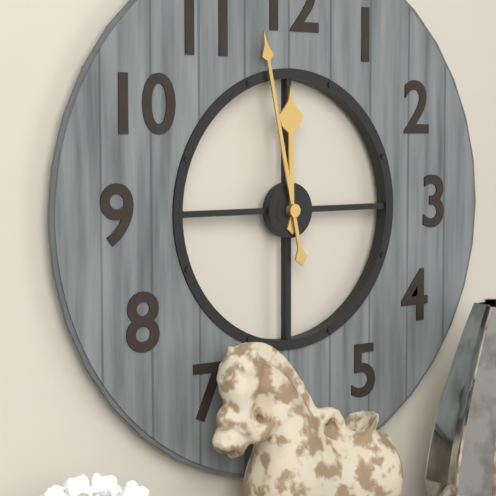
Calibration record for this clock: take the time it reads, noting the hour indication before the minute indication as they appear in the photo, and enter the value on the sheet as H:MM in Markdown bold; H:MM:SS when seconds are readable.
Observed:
**11:58**
